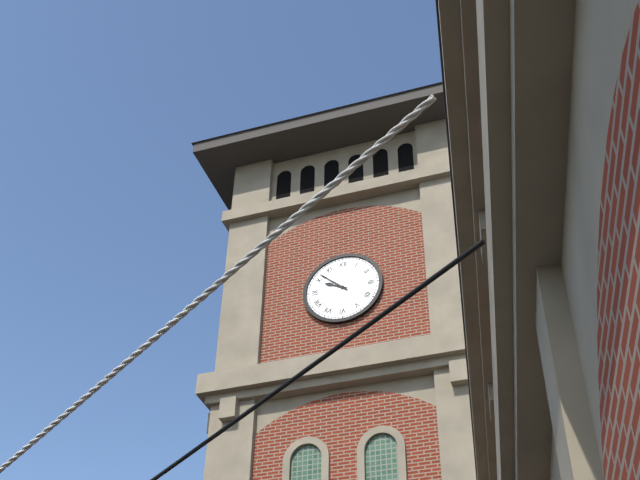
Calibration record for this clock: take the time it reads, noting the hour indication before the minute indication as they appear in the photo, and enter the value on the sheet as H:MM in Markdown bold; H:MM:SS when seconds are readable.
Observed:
**9:52**
